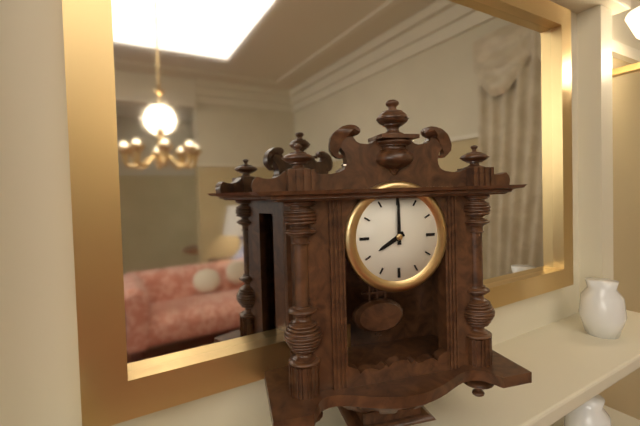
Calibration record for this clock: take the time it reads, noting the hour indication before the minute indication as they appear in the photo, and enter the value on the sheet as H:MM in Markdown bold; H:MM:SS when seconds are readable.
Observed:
**8:00**
